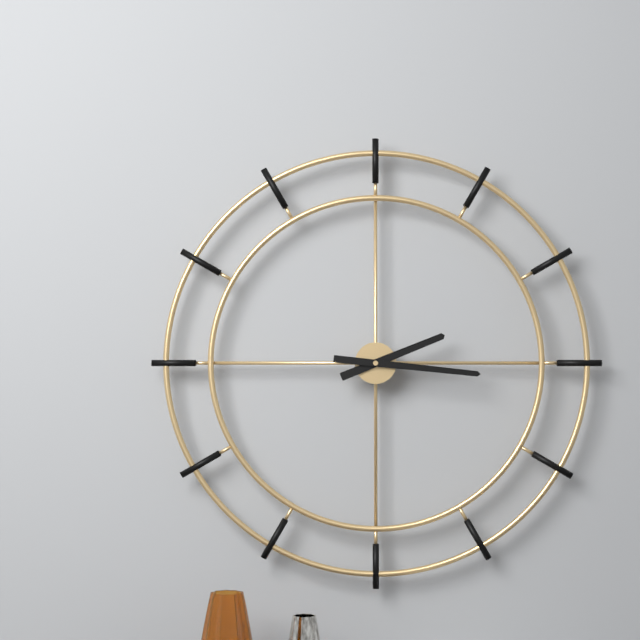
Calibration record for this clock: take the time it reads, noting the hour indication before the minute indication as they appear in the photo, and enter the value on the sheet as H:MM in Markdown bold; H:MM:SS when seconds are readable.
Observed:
**2:16**
